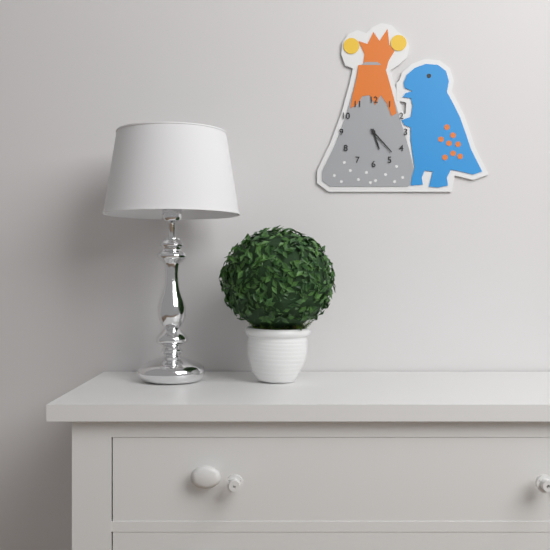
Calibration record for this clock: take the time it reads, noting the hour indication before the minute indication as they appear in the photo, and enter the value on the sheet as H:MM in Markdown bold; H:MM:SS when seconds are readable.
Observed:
**5:23**
